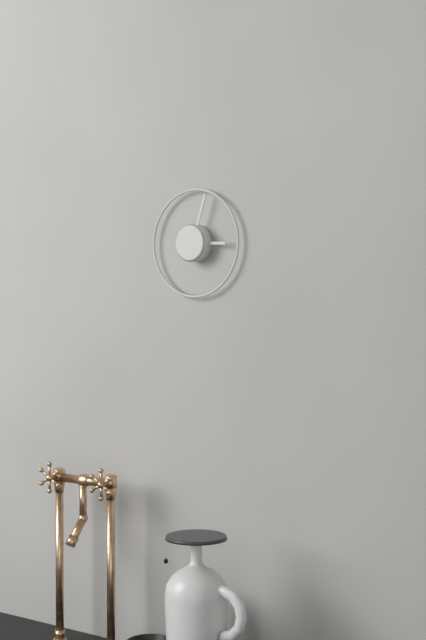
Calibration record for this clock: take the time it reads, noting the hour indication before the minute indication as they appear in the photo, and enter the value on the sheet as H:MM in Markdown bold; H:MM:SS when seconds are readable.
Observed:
**3:03**
